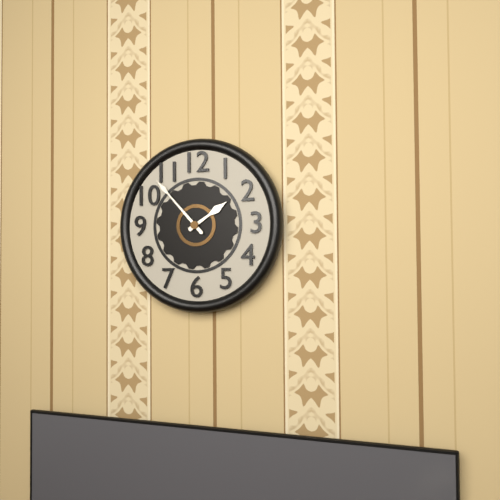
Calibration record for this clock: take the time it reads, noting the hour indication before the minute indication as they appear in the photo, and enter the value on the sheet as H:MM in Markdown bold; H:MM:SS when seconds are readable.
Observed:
**1:53**
